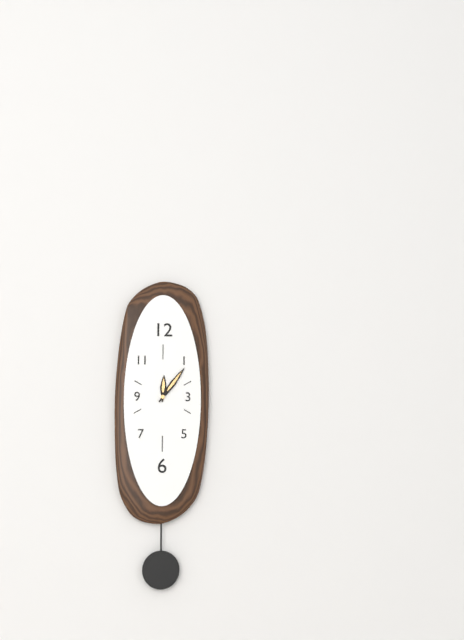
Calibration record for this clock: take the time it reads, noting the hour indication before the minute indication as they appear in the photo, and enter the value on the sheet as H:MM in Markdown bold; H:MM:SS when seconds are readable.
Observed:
**12:06**
